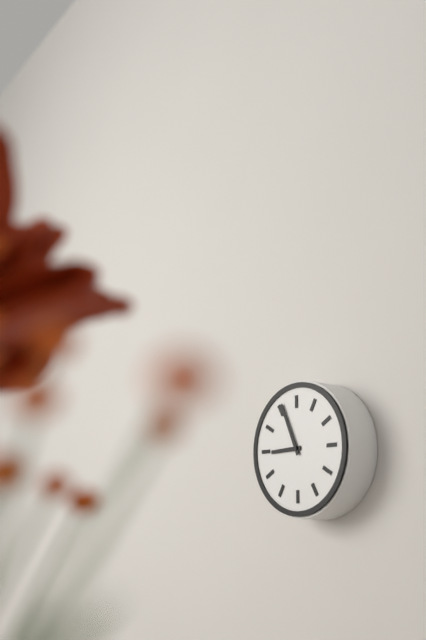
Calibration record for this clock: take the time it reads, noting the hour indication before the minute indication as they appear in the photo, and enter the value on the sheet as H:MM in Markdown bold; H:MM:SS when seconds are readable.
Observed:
**8:56**
